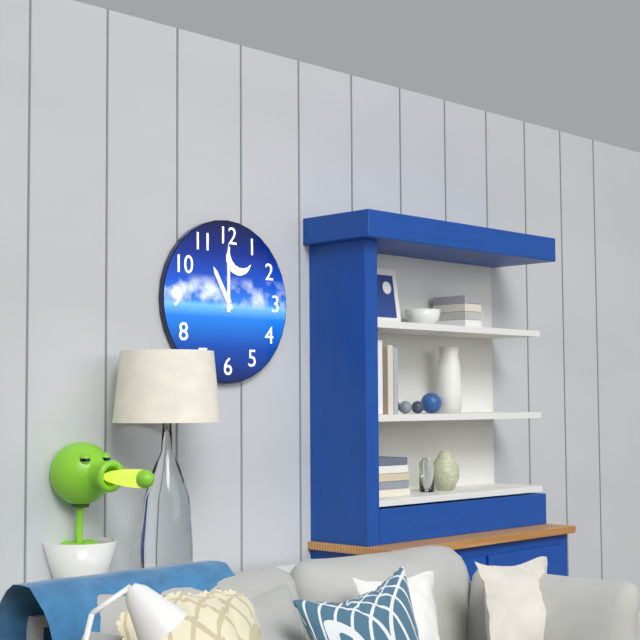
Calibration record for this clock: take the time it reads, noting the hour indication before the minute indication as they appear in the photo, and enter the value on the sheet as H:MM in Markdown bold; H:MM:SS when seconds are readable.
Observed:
**11:00**
